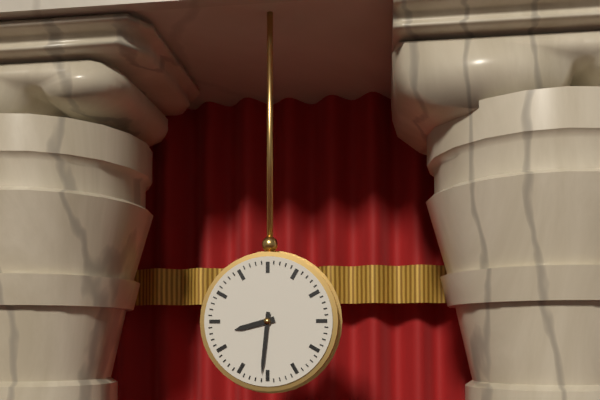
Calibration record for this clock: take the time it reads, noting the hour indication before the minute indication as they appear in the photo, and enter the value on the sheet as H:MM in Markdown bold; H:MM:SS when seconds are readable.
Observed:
**8:31**
